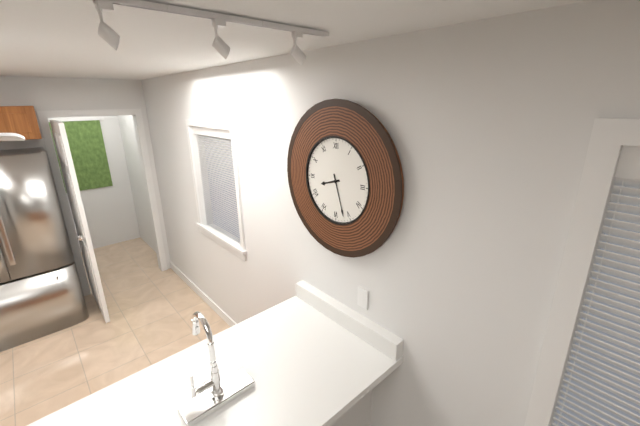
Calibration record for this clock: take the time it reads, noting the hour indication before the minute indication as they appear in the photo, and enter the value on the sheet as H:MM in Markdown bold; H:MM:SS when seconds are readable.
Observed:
**8:27**
